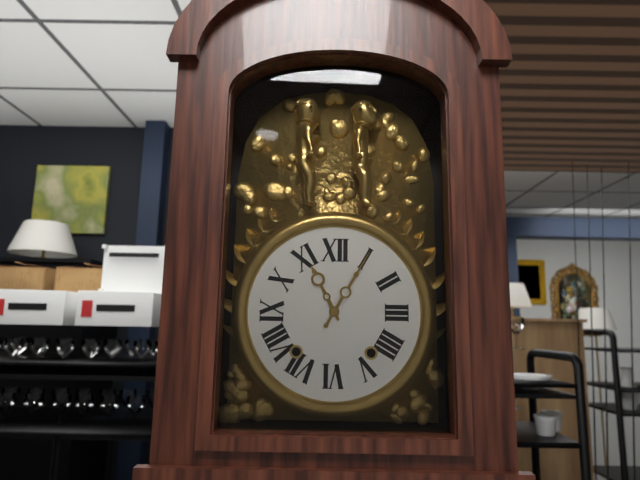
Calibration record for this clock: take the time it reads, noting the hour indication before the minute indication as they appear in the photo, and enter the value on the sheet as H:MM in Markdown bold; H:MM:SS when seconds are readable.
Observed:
**11:05**
